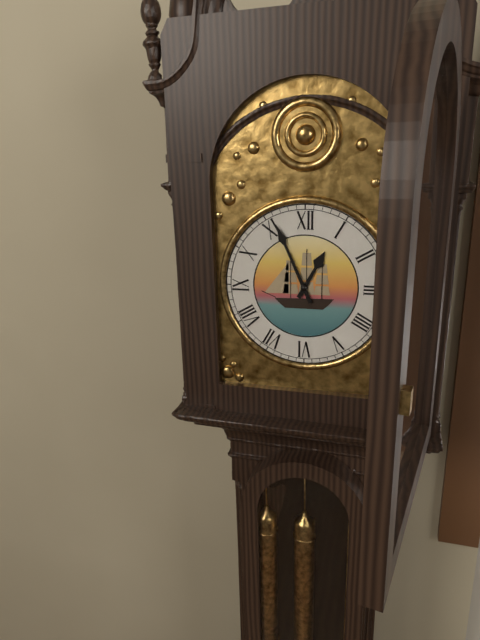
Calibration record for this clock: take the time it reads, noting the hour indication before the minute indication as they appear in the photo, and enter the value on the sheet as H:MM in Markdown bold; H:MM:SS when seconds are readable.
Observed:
**12:56**
